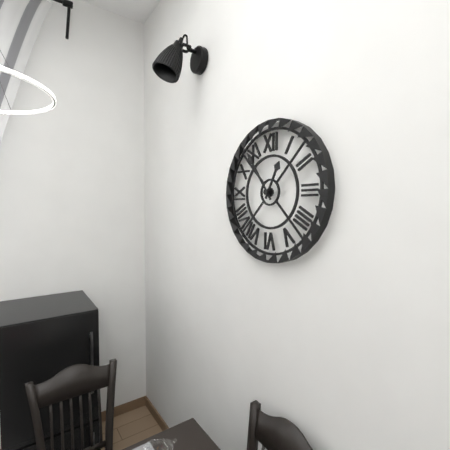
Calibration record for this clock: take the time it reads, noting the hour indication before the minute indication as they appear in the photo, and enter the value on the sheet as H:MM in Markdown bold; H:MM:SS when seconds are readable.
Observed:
**12:54**
